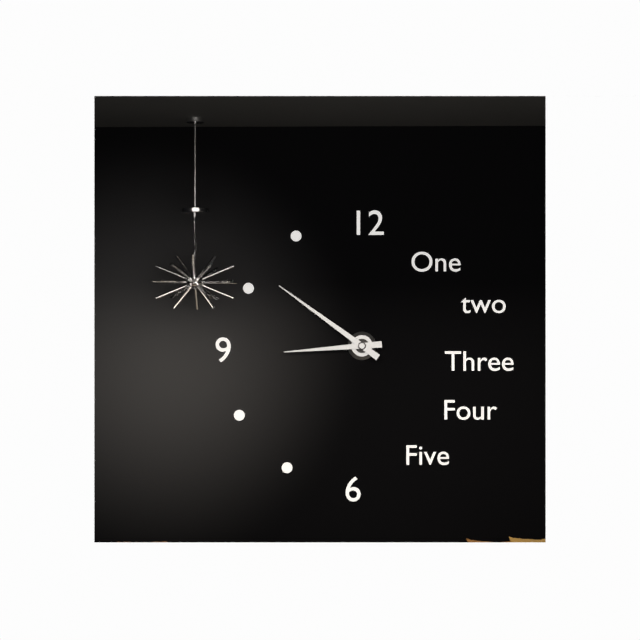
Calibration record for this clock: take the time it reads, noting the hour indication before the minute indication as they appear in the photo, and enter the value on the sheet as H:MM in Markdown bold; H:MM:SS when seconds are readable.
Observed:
**8:51**
